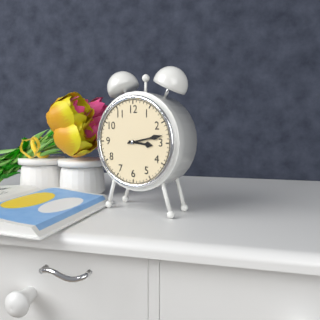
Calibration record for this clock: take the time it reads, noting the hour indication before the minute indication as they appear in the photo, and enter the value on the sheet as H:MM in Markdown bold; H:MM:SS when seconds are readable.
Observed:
**3:13**
